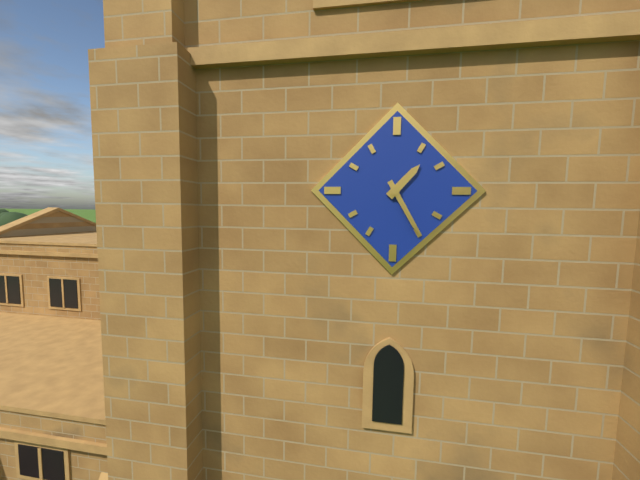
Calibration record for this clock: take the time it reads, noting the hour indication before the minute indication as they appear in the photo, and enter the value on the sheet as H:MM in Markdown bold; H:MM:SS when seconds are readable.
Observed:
**1:25**
